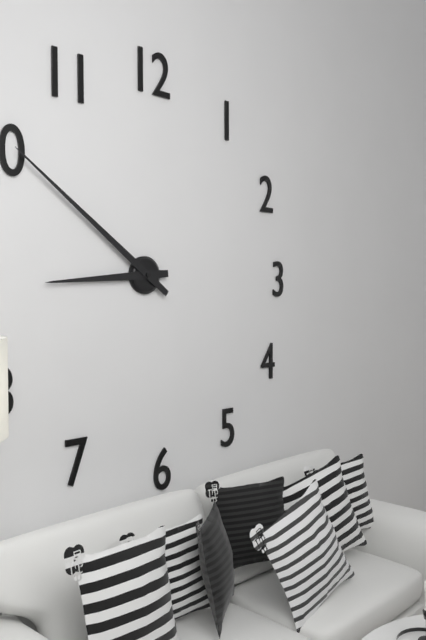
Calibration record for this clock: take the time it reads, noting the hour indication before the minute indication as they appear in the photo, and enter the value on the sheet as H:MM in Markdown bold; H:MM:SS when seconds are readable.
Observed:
**8:51**
